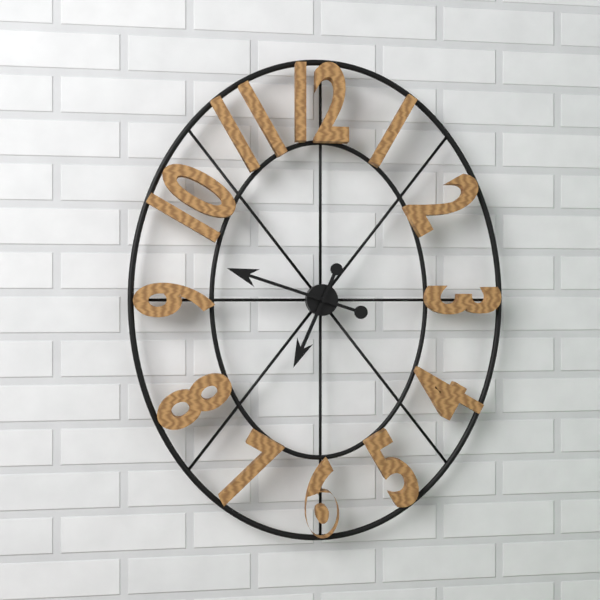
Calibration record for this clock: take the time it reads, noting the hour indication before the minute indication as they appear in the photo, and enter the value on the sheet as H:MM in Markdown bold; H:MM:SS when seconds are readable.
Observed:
**6:48**
